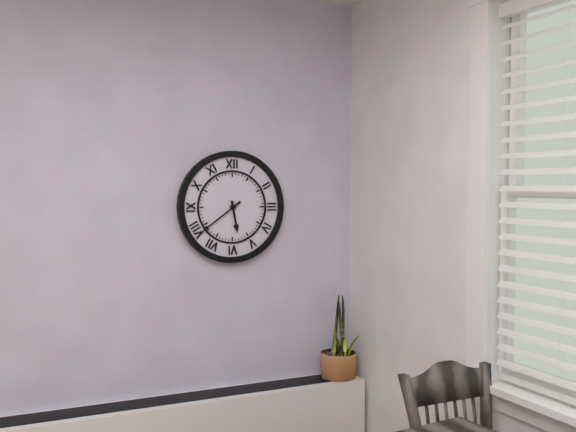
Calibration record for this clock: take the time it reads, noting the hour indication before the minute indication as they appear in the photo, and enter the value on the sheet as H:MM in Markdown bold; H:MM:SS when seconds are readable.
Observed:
**5:39**
